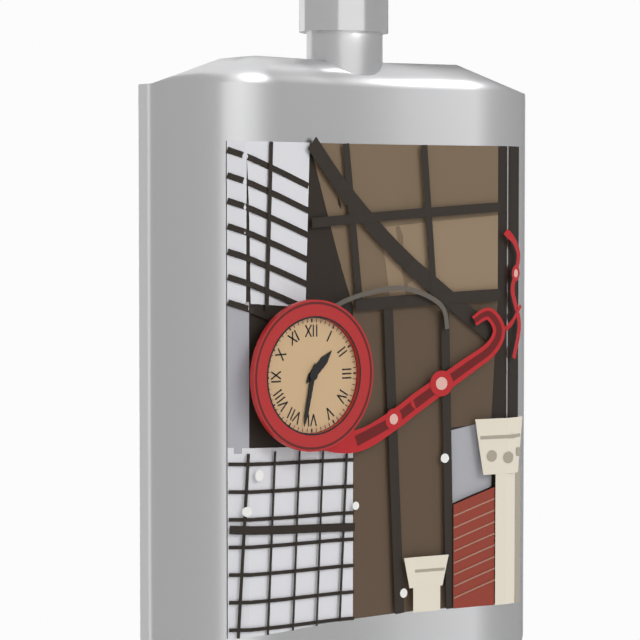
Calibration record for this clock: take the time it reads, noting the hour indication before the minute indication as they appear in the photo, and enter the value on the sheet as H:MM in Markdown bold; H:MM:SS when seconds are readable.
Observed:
**1:32**
